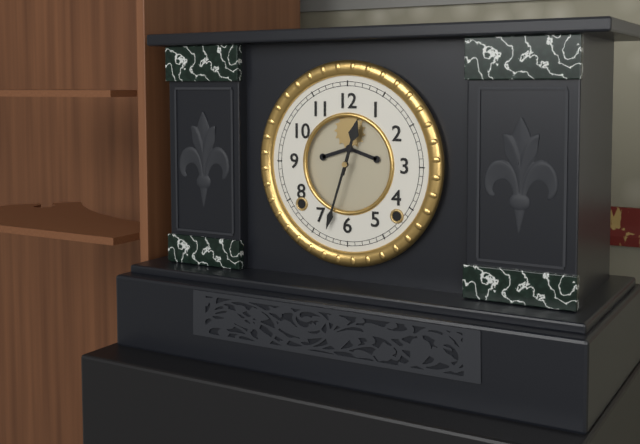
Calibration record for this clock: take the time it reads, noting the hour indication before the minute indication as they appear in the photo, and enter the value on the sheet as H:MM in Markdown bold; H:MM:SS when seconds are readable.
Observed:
**12:33**
